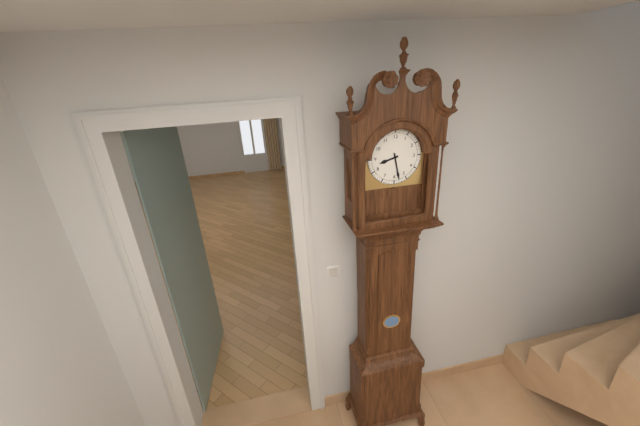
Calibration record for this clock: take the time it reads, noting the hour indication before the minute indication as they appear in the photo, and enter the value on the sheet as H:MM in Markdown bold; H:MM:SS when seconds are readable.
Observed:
**8:28**
